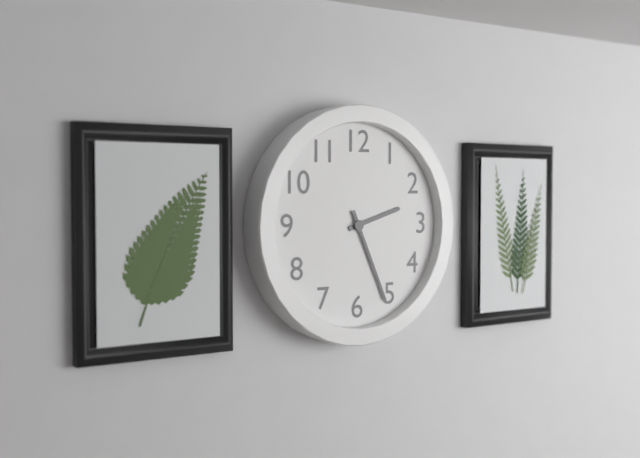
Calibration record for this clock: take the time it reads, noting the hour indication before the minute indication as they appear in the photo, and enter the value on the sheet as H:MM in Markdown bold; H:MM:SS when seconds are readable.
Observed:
**2:26**
